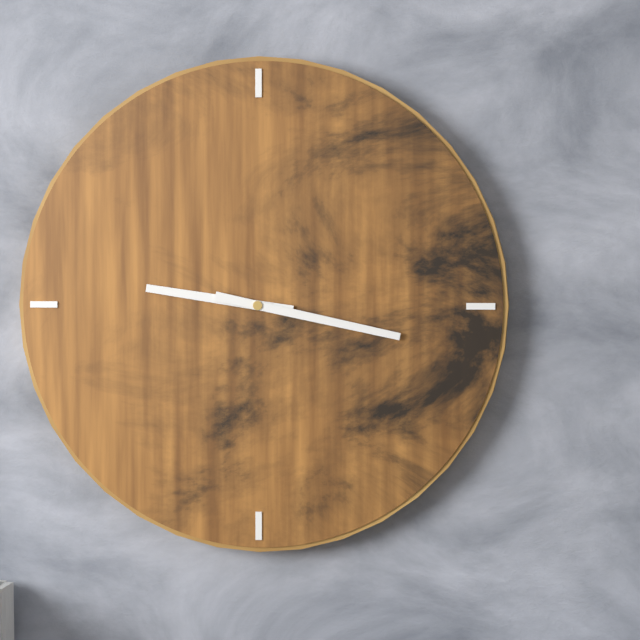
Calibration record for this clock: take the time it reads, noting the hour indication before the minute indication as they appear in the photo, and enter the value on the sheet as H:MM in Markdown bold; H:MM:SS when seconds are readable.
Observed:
**9:17**
